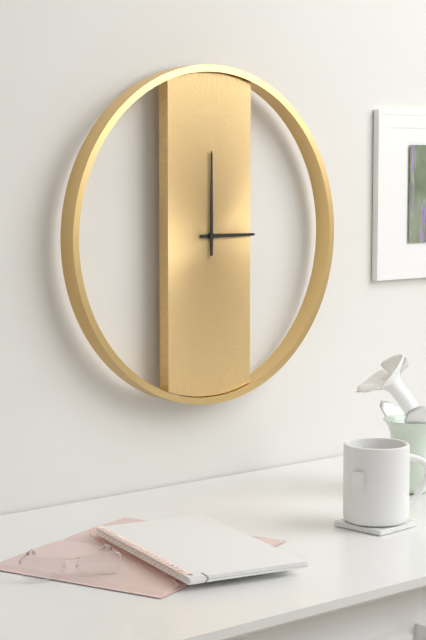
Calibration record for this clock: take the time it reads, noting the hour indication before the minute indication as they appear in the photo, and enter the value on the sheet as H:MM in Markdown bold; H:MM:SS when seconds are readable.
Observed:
**3:00**
